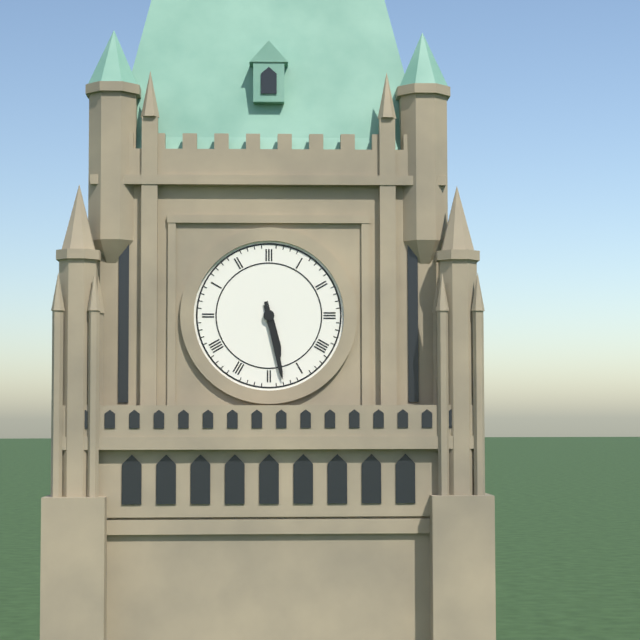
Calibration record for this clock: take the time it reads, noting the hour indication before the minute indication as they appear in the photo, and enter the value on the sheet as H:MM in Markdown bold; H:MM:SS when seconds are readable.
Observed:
**5:28**
